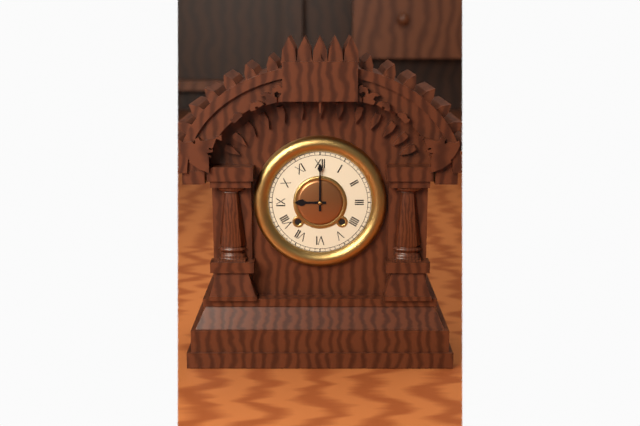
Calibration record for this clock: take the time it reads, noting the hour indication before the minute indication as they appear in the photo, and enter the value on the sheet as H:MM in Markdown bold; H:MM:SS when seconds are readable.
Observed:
**9:00**
